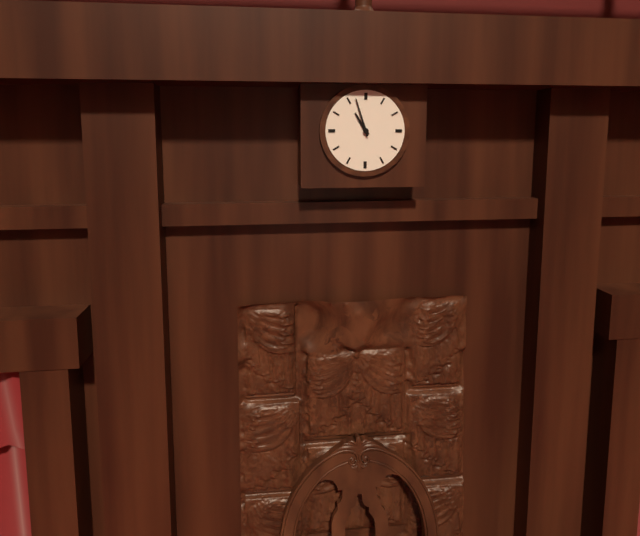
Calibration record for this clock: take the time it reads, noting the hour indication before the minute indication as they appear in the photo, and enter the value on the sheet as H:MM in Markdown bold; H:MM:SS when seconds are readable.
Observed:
**10:57**
